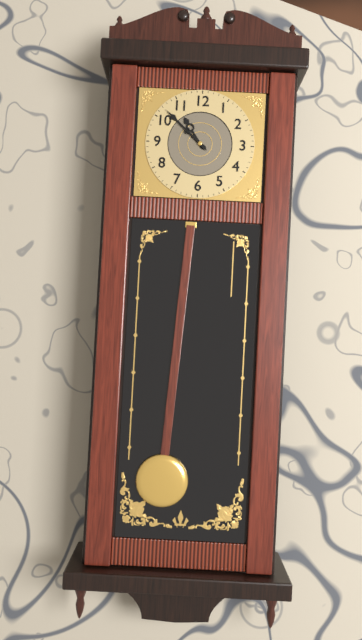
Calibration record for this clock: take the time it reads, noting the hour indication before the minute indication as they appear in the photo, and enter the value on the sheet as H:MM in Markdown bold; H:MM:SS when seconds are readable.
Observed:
**10:52**
